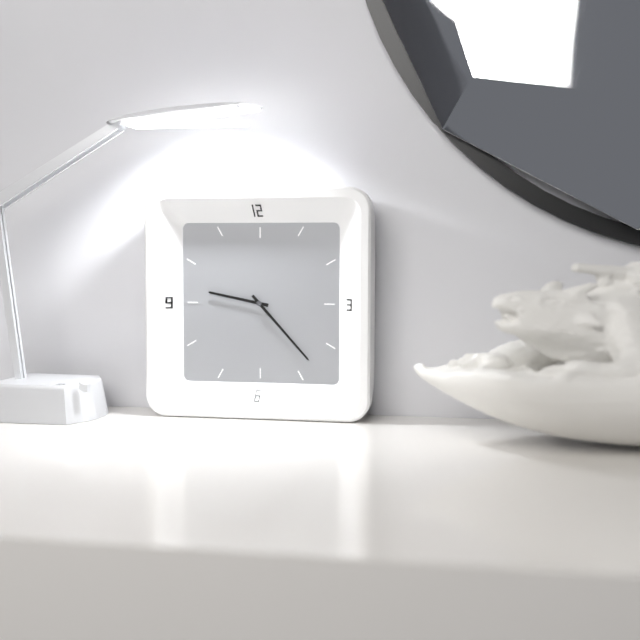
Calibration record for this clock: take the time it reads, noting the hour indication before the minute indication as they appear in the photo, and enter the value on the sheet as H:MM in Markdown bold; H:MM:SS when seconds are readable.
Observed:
**9:23**
